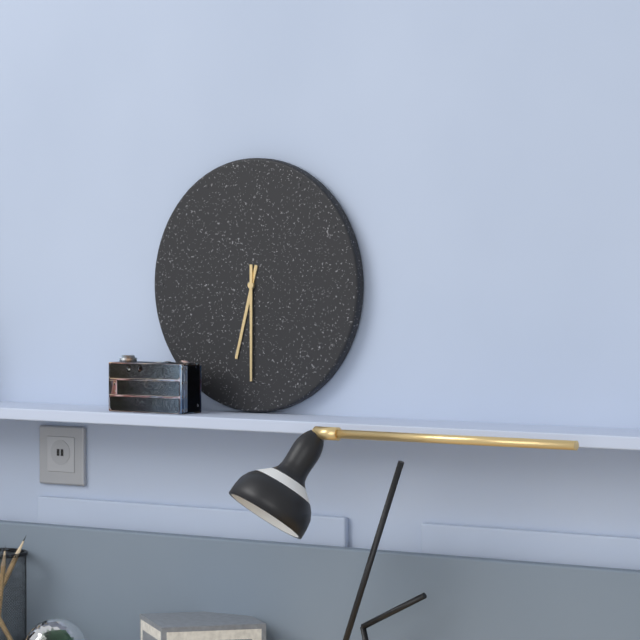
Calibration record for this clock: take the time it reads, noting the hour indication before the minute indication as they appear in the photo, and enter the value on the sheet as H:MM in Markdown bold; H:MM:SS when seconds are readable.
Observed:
**6:30**
